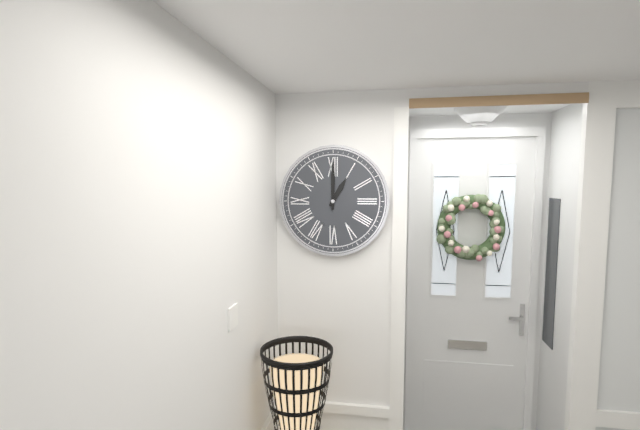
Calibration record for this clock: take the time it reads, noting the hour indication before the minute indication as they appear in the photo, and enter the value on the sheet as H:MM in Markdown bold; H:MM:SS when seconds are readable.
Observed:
**1:00**
